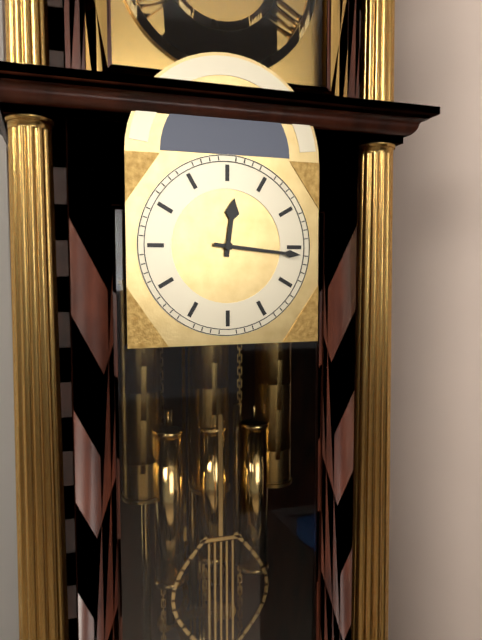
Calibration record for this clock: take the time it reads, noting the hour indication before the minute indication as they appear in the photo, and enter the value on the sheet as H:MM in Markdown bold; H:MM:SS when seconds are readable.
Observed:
**12:16**
